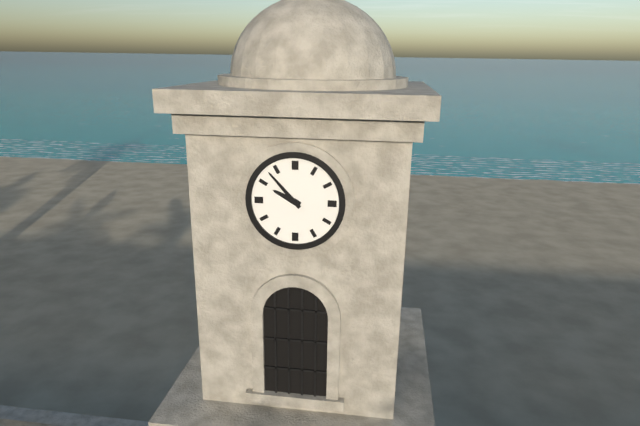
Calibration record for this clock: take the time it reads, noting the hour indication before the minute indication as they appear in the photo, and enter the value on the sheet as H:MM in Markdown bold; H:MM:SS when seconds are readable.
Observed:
**9:53**
